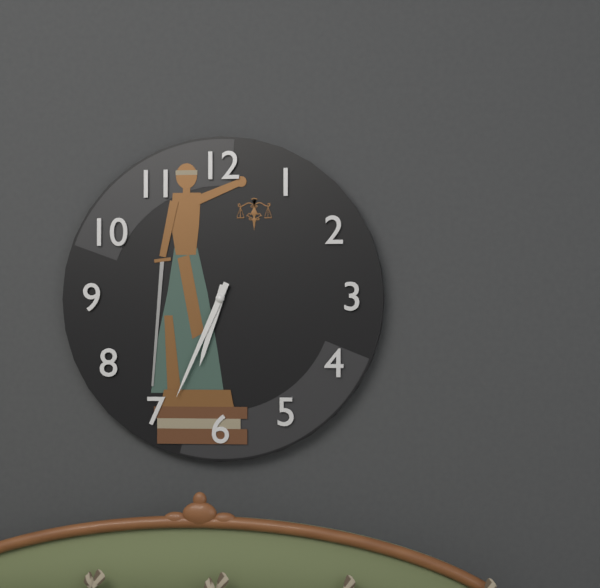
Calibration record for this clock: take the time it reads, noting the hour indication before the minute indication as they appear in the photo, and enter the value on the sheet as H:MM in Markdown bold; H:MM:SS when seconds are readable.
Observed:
**6:34**
